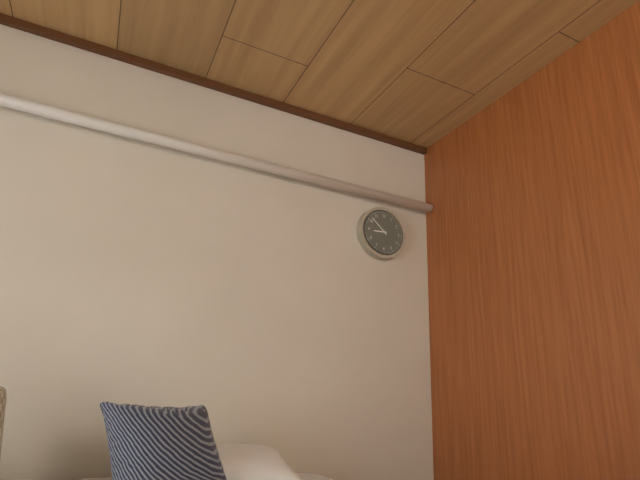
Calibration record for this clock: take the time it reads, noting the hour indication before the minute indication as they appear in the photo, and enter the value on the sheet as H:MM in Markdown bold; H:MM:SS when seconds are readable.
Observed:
**8:52**
